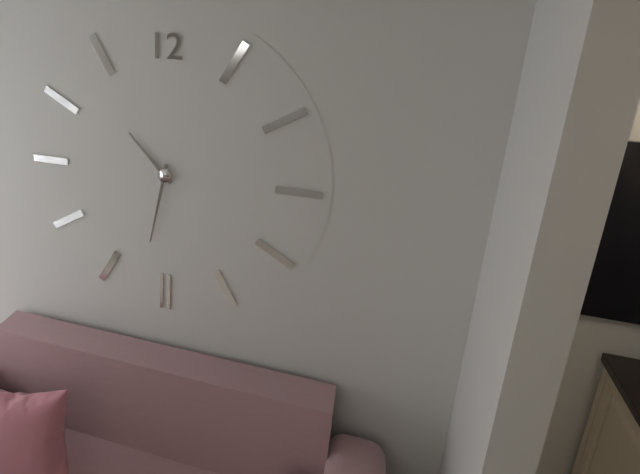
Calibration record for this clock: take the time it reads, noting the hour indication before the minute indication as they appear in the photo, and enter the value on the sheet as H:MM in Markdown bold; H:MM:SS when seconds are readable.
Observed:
**10:32**
